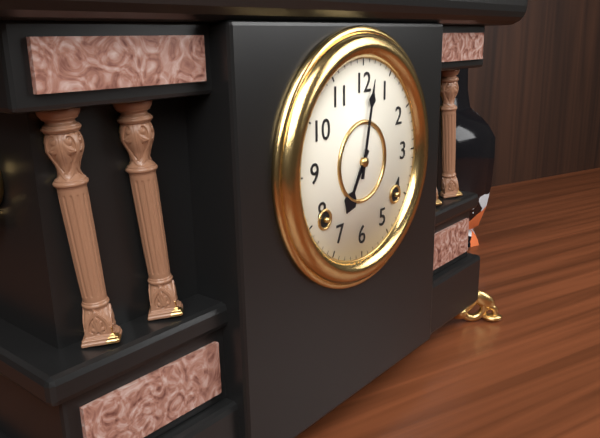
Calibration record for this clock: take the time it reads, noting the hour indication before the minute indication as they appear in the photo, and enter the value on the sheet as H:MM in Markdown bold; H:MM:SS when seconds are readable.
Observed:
**7:02**
